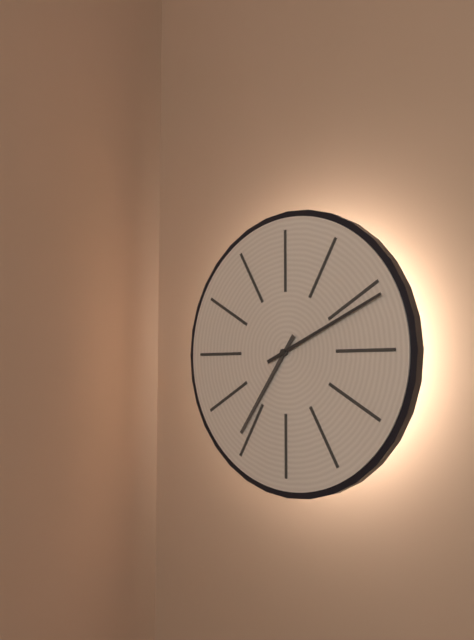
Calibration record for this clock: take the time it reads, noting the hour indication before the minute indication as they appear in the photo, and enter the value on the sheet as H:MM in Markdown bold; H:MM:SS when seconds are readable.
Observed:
**7:11**
